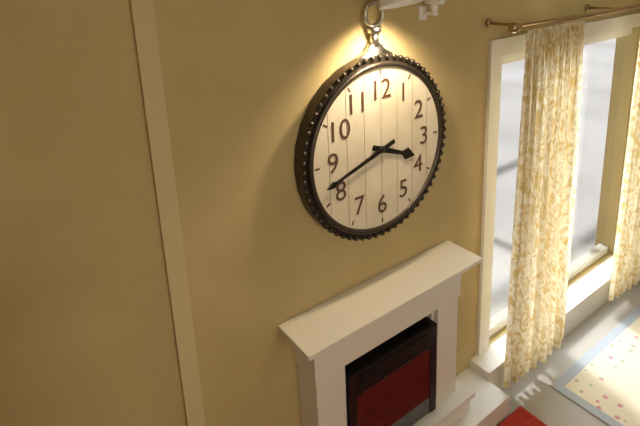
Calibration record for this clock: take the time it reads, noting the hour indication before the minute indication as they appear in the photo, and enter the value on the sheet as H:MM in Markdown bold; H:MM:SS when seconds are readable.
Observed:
**3:42**
